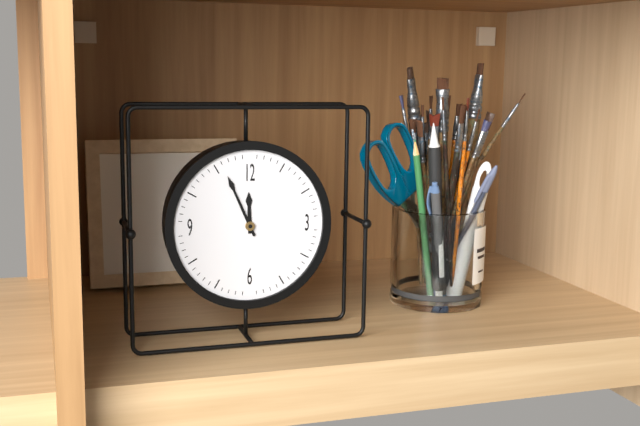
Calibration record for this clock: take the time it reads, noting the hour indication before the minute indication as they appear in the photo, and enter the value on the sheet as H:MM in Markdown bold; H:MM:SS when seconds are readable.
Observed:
**11:56**
